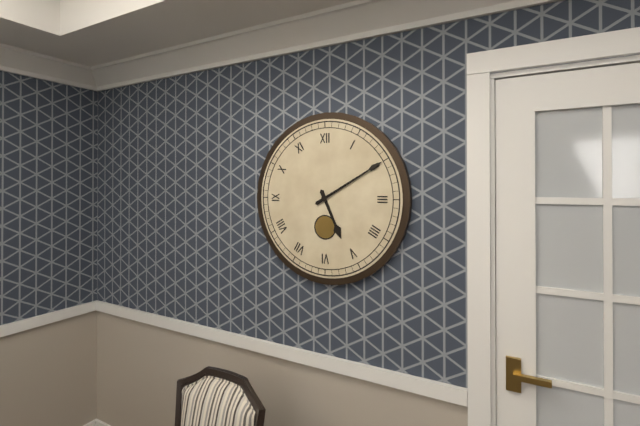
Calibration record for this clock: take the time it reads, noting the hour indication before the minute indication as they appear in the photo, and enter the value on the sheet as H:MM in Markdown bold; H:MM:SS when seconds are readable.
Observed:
**5:10**
